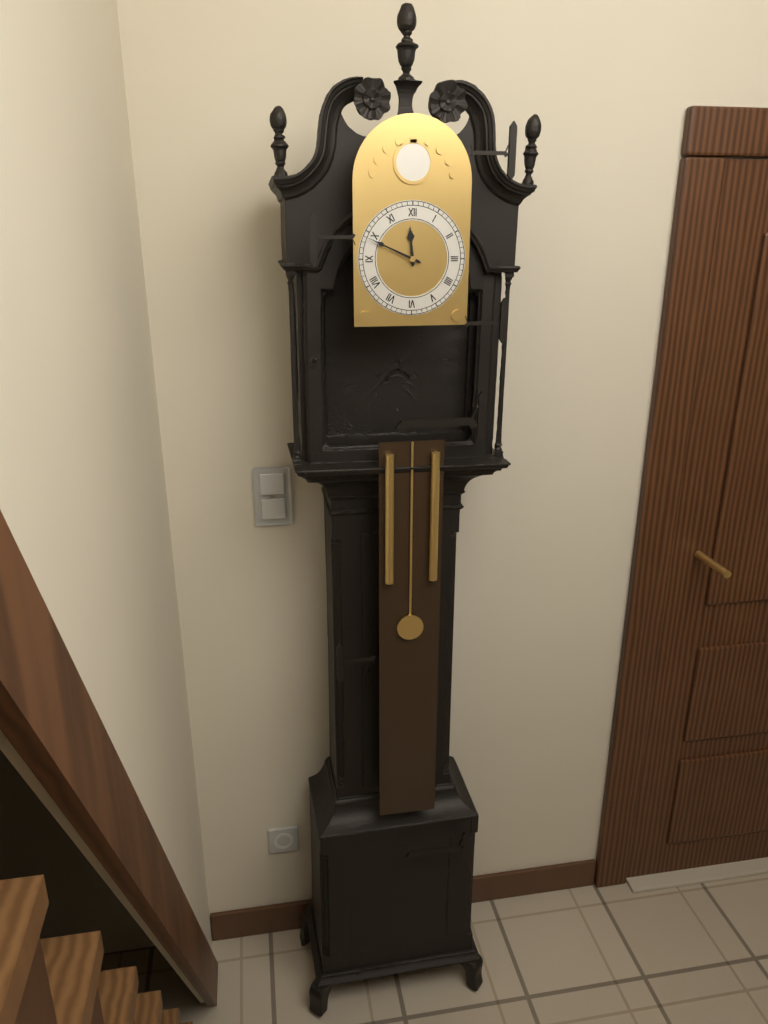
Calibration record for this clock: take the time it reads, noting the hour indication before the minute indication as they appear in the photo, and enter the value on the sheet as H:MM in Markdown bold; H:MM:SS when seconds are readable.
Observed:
**11:49**
